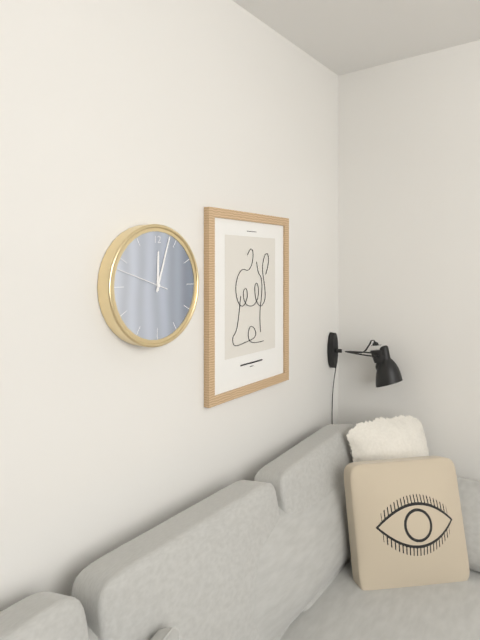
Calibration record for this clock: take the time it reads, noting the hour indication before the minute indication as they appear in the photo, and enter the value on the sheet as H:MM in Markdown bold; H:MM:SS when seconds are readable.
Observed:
**12:03**
